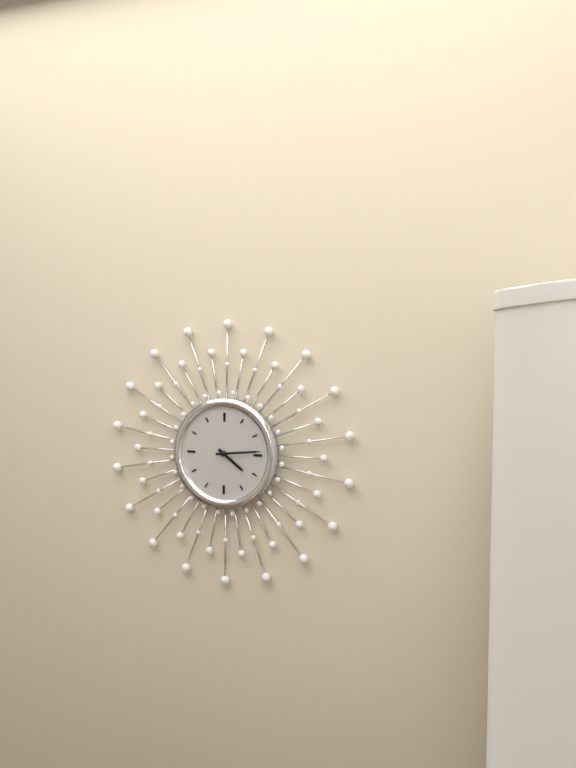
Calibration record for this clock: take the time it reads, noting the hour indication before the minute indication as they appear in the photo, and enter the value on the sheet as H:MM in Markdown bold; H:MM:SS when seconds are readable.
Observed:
**4:14**
